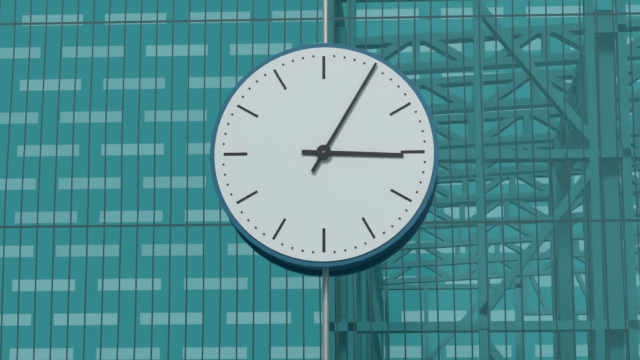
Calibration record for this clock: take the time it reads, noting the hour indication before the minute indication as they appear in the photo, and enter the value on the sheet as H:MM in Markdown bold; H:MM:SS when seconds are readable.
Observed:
**3:05**
